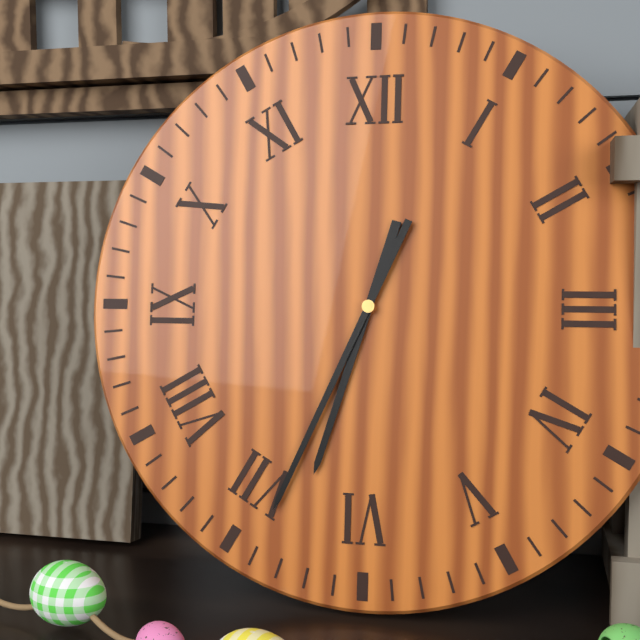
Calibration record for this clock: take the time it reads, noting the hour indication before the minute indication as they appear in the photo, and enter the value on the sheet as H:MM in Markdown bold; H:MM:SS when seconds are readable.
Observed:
**6:34**
